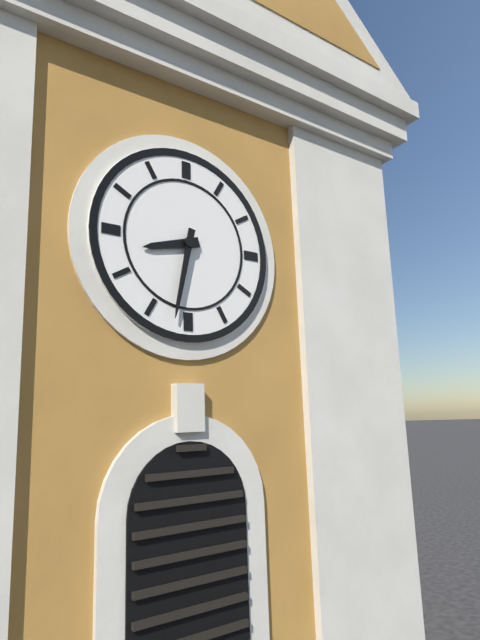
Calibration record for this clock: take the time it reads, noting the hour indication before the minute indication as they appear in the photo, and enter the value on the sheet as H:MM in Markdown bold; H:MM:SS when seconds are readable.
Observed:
**8:32**
